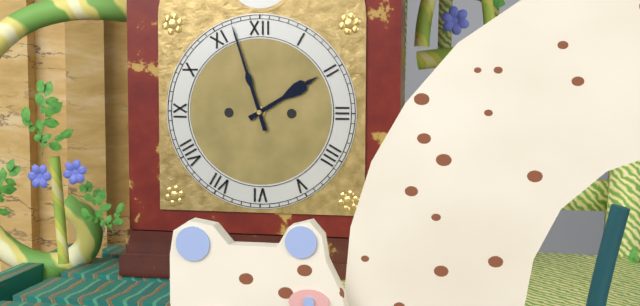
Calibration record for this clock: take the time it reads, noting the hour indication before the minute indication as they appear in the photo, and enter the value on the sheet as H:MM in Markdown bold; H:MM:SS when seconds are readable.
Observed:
**1:57**
